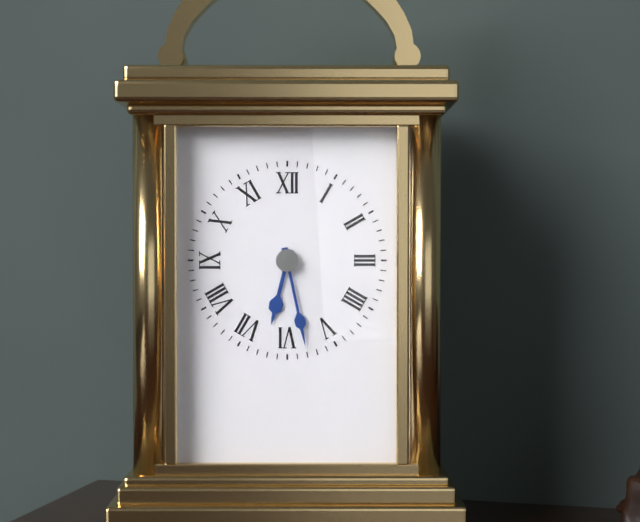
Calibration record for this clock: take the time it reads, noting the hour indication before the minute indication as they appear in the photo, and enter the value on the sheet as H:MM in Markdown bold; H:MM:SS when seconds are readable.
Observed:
**6:28**
